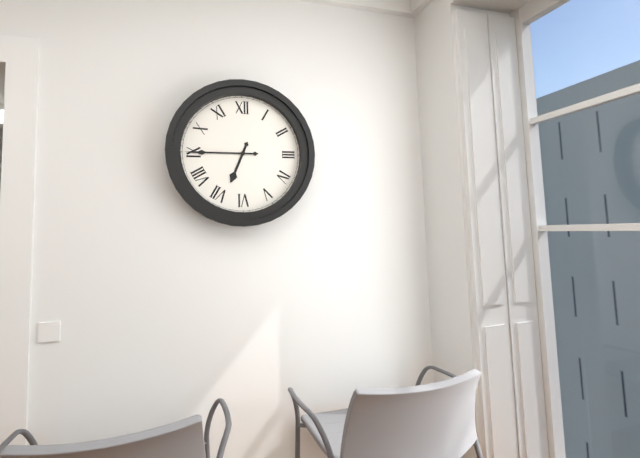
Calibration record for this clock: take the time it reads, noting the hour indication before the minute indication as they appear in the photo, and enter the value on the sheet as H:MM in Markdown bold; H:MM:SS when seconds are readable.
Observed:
**6:45**
